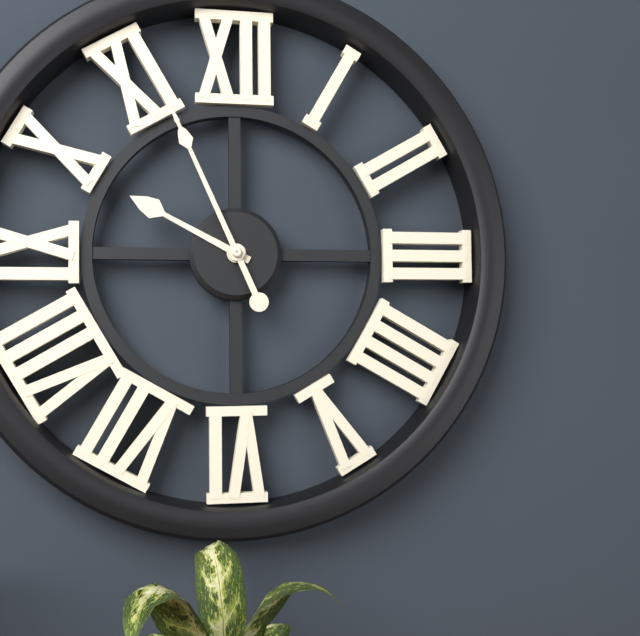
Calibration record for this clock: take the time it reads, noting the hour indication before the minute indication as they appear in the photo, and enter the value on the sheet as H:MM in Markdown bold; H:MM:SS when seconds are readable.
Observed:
**9:56**
